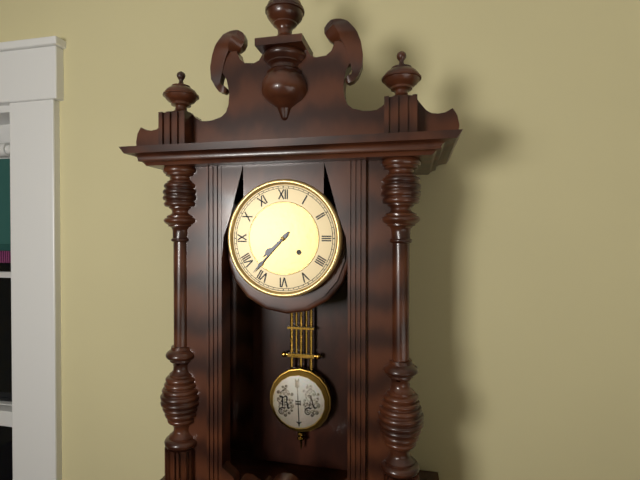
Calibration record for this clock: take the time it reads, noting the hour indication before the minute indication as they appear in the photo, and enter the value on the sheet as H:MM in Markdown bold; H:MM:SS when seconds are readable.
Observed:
**7:37**
